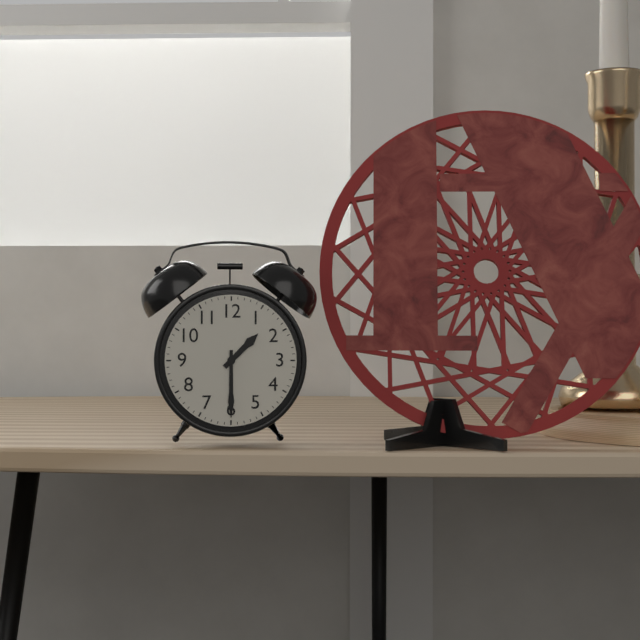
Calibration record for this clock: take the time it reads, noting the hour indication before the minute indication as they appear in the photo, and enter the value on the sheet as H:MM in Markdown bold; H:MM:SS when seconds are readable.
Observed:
**1:30**
